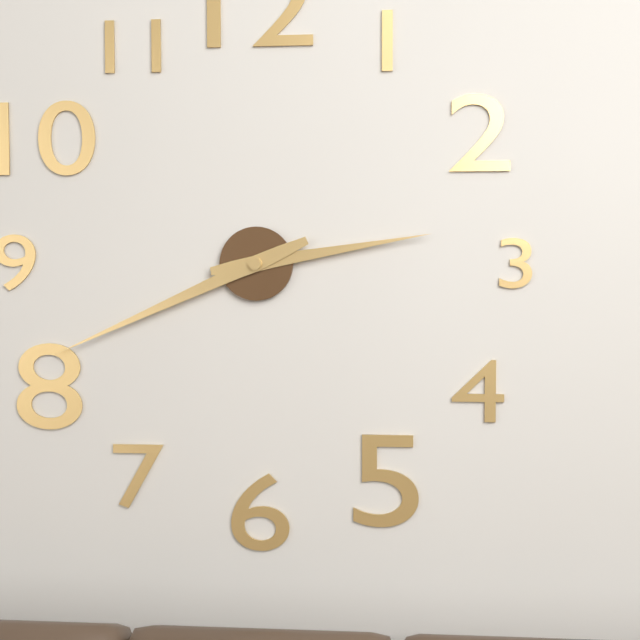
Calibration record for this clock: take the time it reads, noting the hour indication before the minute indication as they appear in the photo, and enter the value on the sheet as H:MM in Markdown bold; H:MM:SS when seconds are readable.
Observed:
**2:41**
